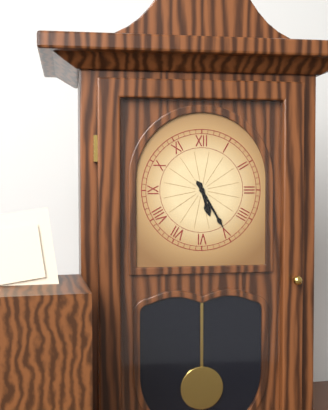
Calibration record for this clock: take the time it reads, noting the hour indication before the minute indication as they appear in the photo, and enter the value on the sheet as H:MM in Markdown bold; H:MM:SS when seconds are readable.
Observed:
**5:25**
